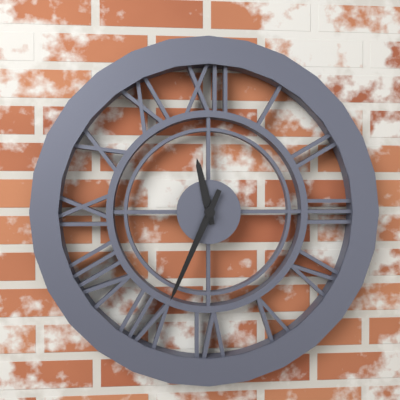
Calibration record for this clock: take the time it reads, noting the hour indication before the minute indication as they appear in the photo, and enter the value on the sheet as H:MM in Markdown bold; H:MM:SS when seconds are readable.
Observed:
**11:34**
